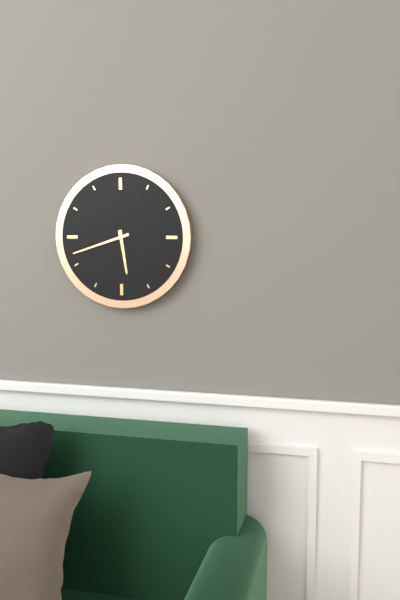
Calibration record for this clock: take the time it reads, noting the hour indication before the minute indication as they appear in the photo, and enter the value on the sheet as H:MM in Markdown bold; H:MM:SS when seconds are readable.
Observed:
**5:42**
